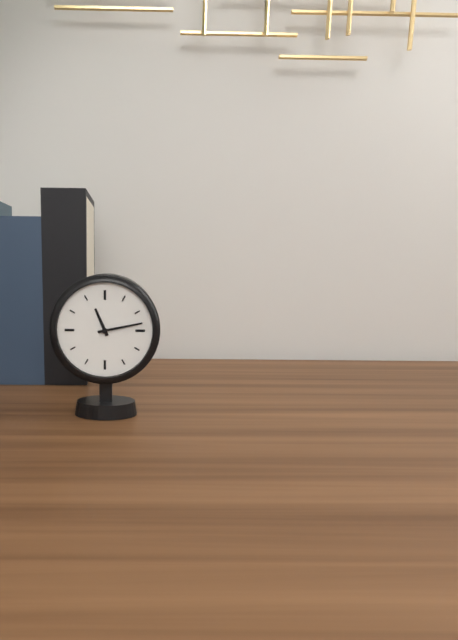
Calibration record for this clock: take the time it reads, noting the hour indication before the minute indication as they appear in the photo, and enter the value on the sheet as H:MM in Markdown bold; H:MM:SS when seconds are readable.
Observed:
**11:13**
